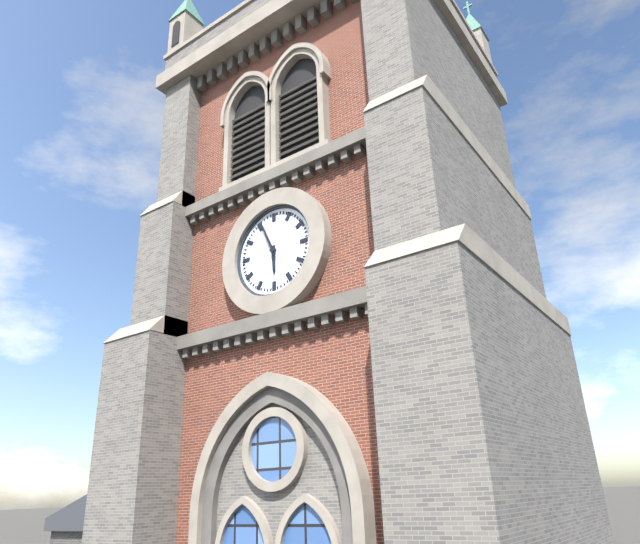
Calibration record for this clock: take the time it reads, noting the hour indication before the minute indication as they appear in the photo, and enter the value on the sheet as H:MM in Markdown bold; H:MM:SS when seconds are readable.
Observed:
**5:56**
